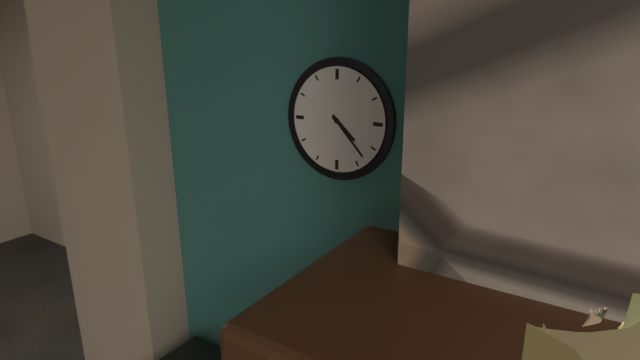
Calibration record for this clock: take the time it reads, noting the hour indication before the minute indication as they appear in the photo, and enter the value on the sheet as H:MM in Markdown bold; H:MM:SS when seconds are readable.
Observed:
**4:23**
